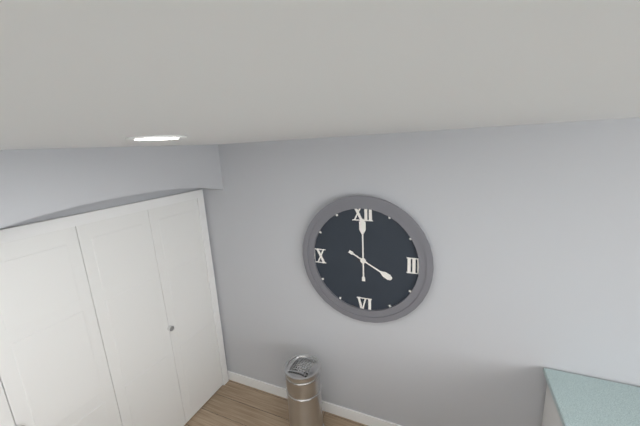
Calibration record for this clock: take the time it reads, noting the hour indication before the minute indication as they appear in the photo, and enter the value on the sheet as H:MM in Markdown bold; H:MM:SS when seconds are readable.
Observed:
**4:00**
